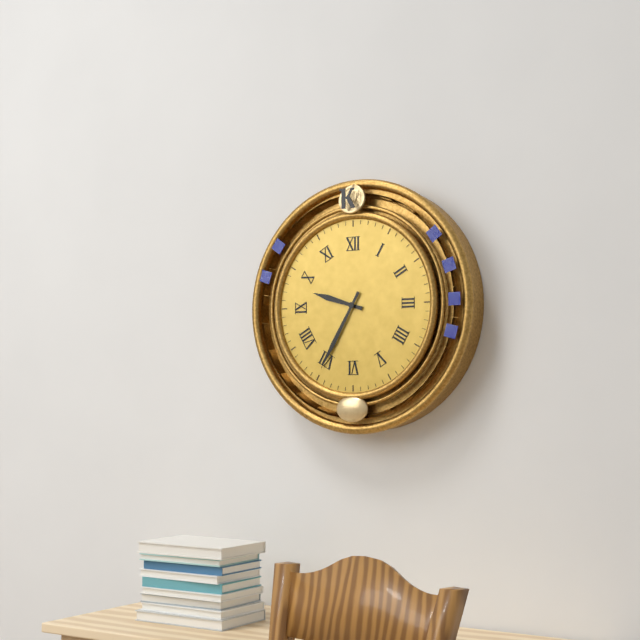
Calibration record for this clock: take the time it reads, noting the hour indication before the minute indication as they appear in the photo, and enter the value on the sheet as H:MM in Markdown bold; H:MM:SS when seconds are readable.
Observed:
**9:35**
